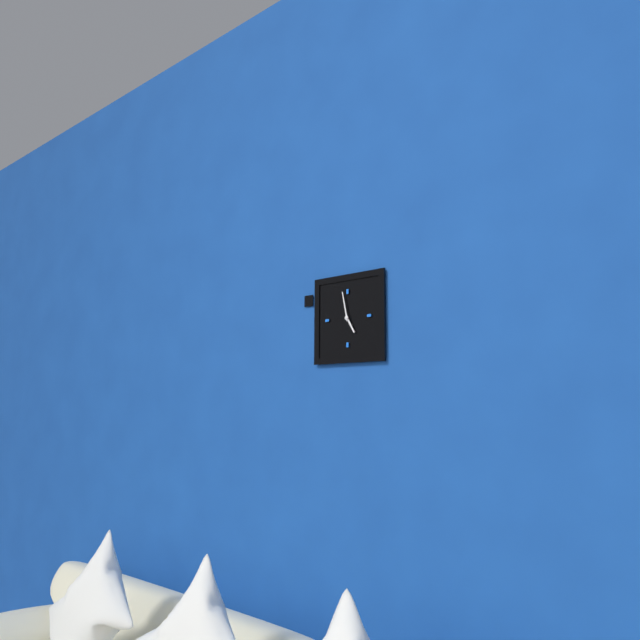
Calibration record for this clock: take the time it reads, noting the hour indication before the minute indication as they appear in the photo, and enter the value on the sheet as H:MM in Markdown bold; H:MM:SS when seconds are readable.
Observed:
**4:58**
